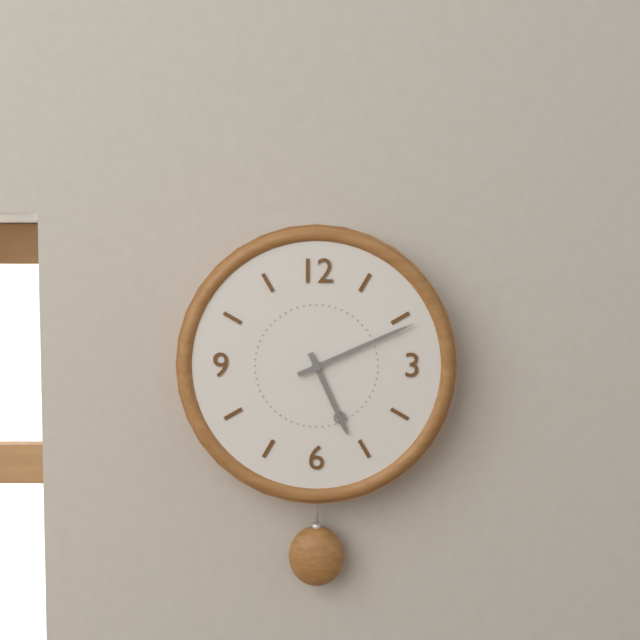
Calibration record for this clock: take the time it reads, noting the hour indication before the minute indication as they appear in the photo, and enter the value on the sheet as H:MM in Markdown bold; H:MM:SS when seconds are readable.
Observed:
**5:11**
